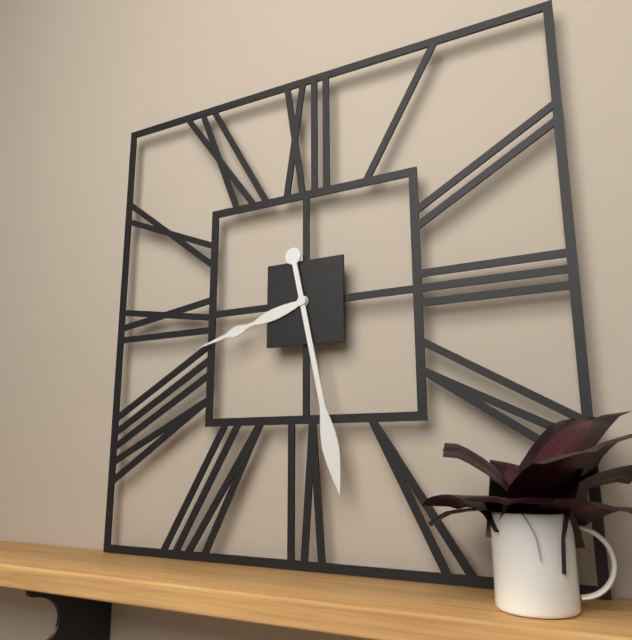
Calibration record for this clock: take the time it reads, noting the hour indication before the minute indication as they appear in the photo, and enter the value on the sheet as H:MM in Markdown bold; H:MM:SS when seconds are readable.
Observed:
**8:28**
